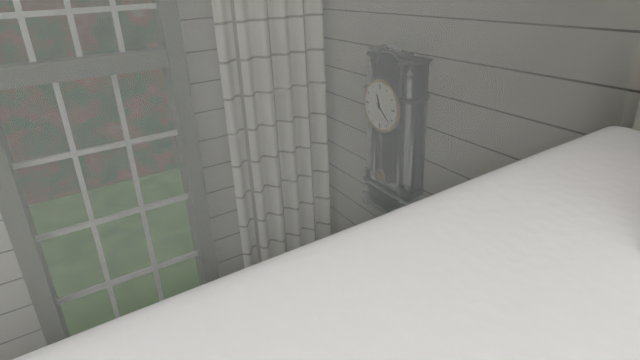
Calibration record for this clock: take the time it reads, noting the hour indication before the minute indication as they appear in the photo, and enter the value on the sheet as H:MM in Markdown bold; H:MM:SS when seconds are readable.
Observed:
**11:22**
